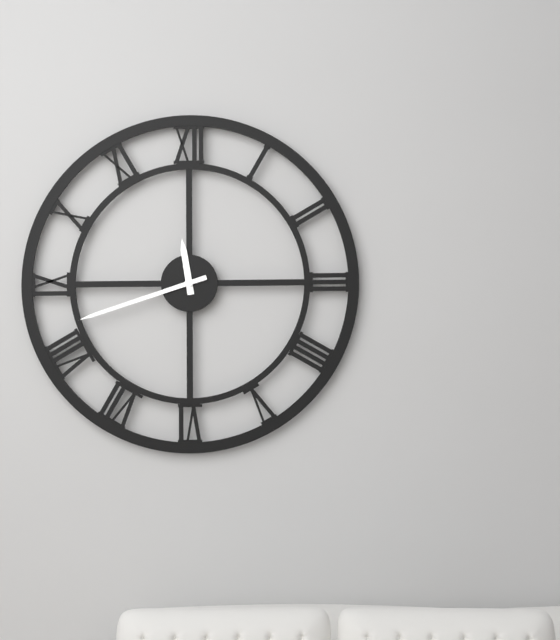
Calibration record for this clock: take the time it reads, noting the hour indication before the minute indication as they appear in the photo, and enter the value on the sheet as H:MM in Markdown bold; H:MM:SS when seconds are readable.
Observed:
**11:42**
